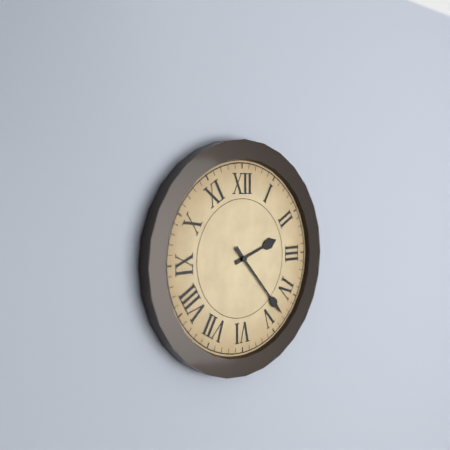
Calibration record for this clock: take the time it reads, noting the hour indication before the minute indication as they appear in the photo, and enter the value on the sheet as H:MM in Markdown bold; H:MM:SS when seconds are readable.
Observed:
**2:23**
